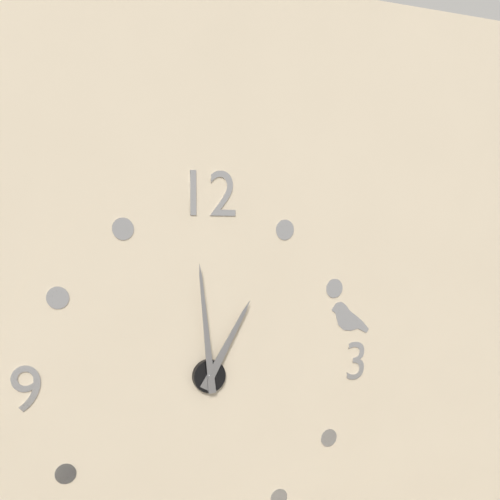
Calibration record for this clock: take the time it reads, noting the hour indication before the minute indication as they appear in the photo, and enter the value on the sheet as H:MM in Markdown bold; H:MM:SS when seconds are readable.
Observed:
**12:59**
